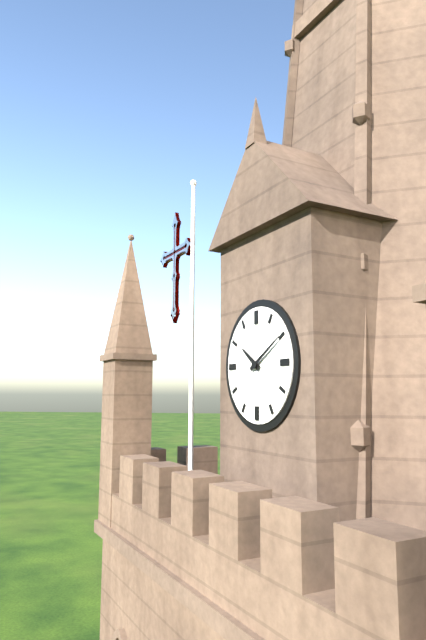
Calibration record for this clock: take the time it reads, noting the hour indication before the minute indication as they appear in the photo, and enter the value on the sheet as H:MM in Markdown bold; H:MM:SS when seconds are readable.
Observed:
**10:10**
